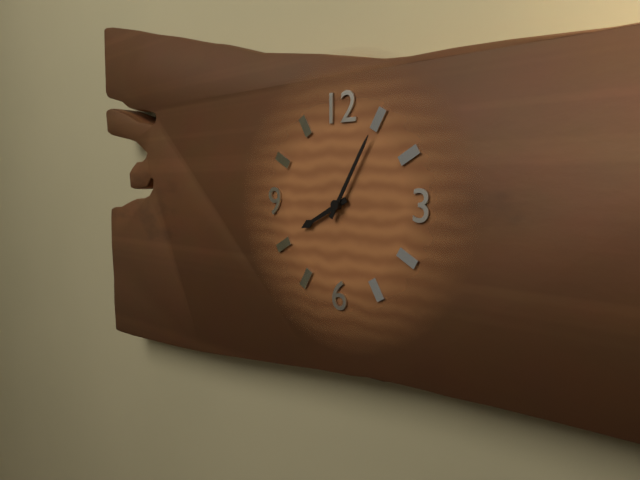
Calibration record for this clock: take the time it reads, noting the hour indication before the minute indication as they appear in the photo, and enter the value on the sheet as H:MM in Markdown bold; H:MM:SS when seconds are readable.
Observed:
**8:05**
